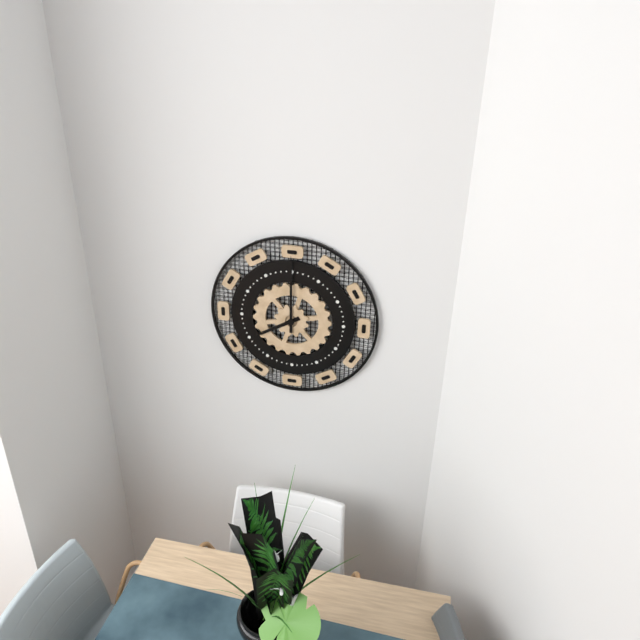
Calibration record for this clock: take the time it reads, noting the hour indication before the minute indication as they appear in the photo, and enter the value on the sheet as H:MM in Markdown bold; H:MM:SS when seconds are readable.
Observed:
**8:00**
